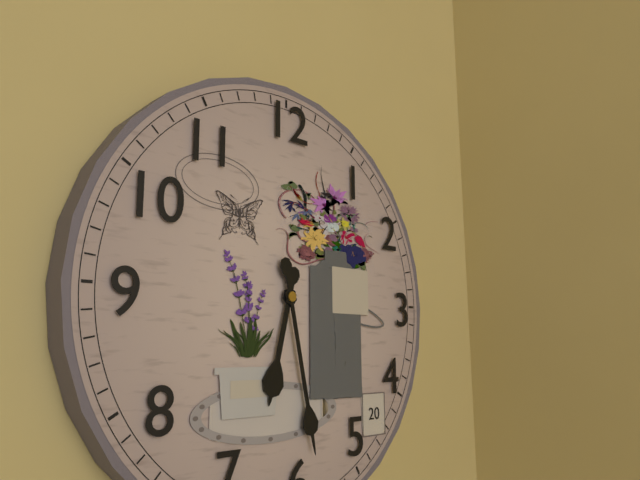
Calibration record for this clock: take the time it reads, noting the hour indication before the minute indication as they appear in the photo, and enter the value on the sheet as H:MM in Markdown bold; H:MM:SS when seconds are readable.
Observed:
**6:28**
